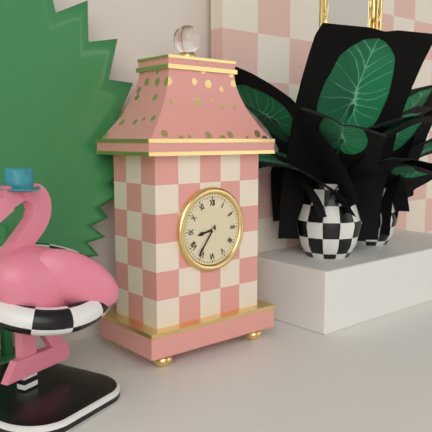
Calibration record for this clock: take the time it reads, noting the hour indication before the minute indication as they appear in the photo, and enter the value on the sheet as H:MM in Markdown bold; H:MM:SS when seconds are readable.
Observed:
**8:36**
